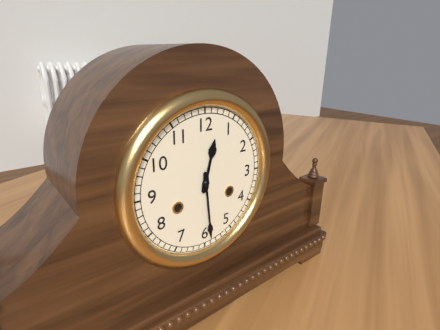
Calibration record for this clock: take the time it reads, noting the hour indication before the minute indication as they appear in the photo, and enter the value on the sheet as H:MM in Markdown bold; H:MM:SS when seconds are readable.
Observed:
**12:29**
